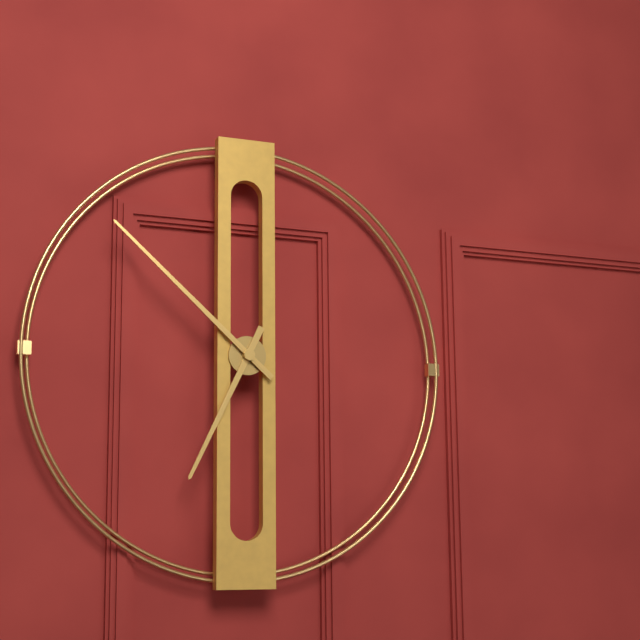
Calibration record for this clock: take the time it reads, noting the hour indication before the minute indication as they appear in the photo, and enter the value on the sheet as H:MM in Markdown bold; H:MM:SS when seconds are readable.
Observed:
**6:52**
